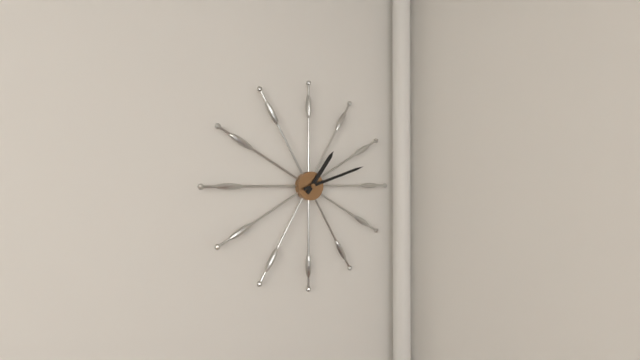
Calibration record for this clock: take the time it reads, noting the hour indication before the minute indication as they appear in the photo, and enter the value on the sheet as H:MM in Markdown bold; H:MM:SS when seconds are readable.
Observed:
**1:12**
